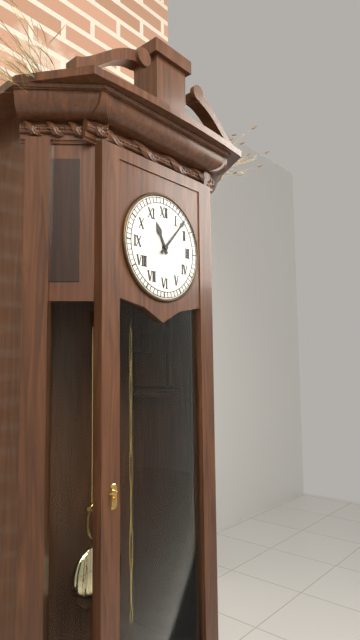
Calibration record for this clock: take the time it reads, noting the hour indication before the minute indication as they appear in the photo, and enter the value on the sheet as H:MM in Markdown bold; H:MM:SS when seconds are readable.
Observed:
**11:07**
